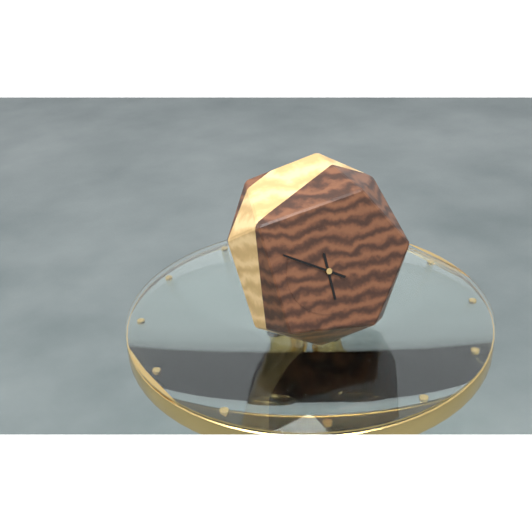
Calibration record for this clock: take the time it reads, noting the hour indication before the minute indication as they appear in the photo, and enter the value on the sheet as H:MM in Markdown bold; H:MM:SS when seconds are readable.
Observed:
**5:50**
